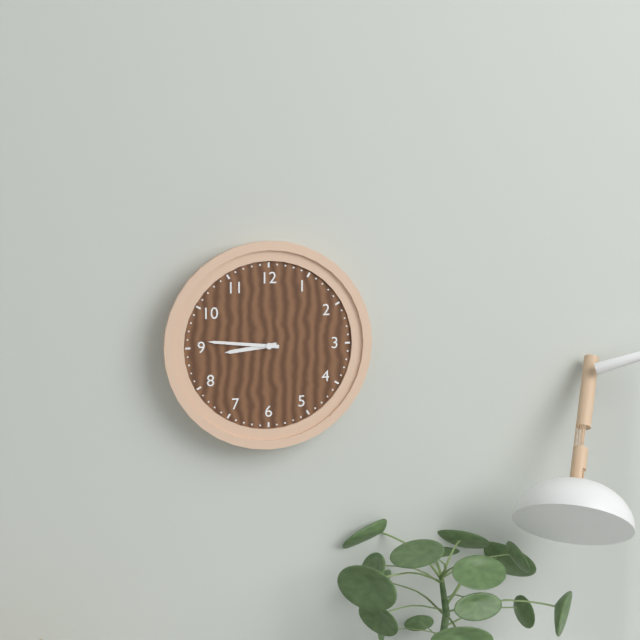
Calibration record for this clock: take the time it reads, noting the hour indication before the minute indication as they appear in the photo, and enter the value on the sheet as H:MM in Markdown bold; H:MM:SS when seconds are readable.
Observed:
**8:46**
